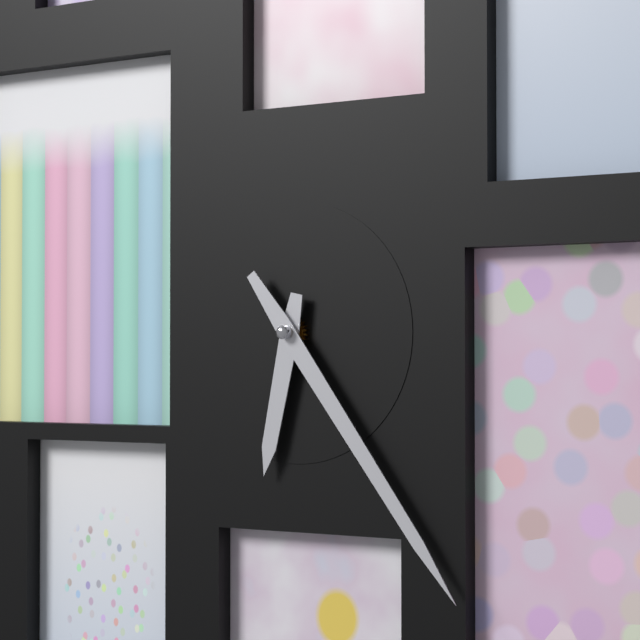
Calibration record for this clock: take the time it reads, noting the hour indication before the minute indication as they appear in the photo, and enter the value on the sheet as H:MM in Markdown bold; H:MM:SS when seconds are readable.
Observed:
**6:24**
